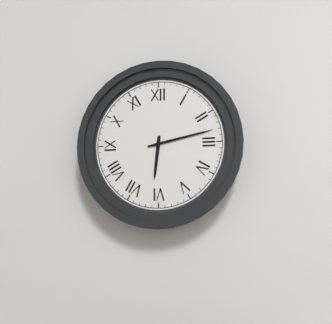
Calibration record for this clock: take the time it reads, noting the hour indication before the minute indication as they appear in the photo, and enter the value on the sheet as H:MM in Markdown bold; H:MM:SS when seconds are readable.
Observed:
**6:13**
